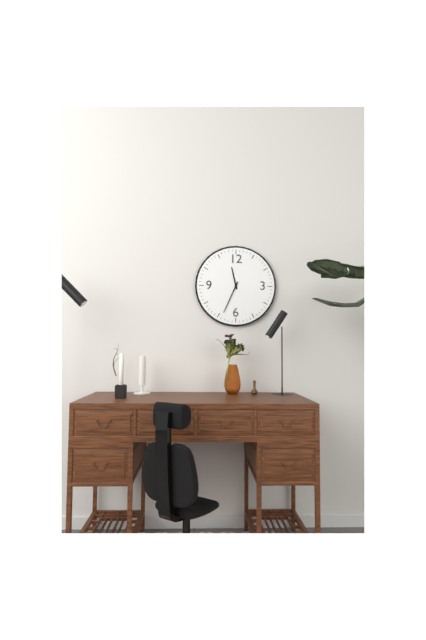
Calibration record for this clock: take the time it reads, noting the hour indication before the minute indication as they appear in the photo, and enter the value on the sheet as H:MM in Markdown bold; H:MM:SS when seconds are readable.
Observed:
**11:34**
